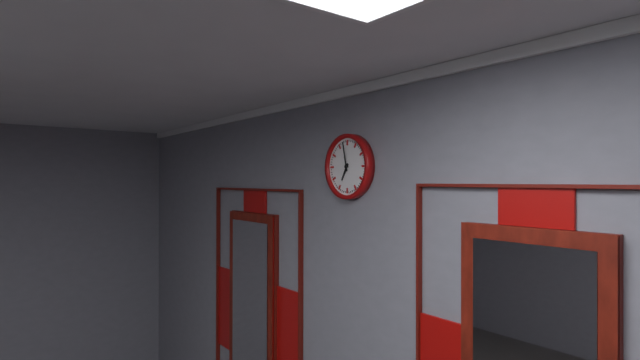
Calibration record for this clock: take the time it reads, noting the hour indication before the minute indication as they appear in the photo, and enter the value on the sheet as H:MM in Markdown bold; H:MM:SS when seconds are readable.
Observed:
**6:58**
